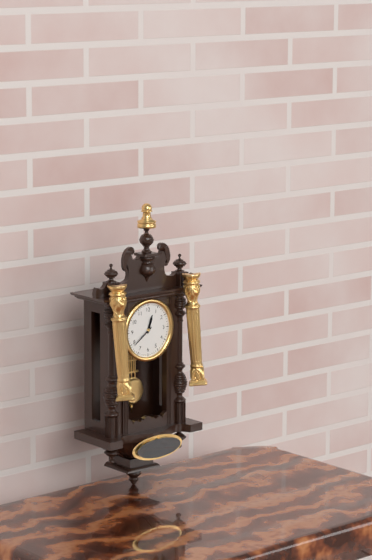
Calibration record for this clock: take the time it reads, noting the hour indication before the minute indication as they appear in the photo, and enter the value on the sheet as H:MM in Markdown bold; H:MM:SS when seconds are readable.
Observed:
**12:39**
